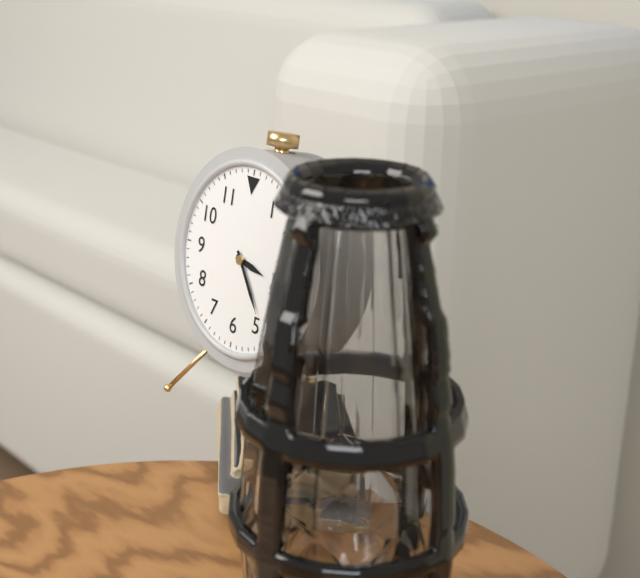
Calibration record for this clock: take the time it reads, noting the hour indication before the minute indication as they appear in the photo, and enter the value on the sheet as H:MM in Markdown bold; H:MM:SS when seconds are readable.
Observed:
**3:24**
